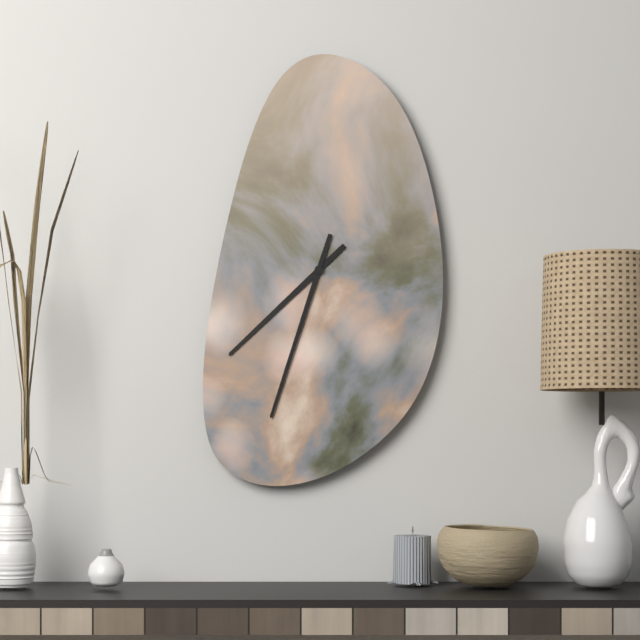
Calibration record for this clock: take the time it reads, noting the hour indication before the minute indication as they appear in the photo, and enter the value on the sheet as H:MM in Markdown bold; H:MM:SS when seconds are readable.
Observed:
**7:33**
